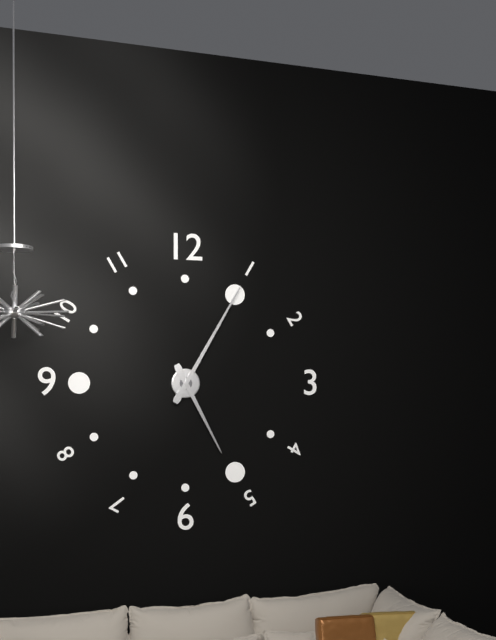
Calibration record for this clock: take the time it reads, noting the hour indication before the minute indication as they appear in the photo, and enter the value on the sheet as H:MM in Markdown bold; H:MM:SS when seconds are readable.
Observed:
**5:05**
